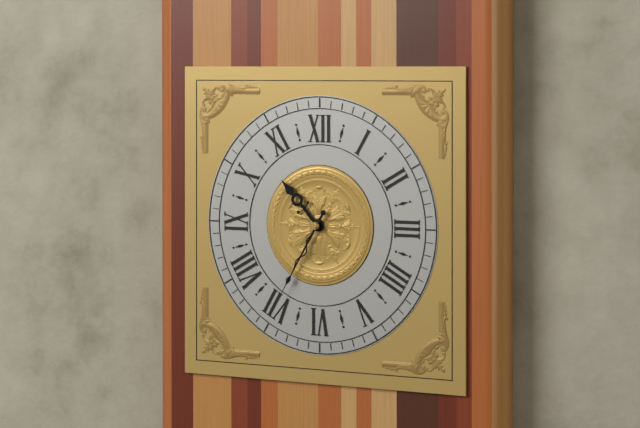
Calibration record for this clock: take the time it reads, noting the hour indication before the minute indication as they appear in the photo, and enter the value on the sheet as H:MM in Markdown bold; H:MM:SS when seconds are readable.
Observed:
**10:35**
